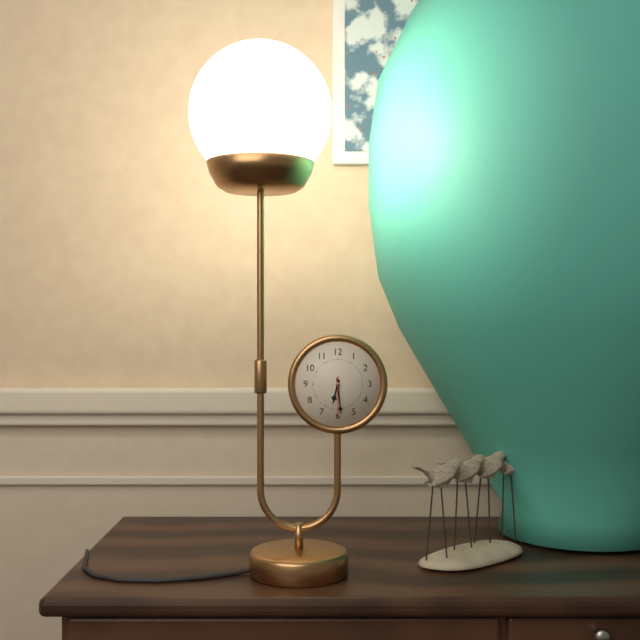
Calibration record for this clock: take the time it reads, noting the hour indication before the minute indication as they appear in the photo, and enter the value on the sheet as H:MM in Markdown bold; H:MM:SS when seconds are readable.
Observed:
**6:29**
